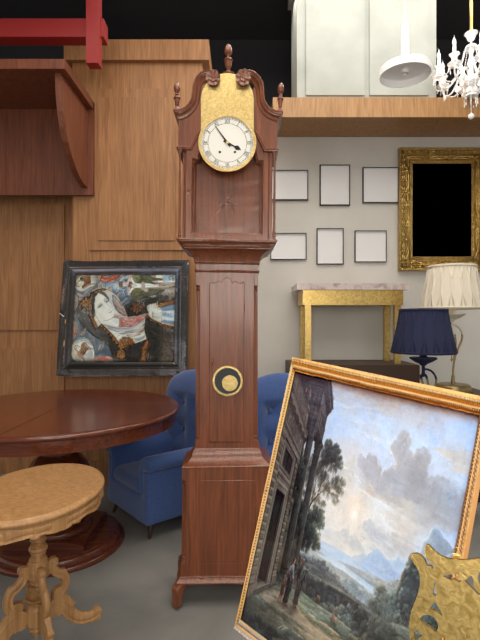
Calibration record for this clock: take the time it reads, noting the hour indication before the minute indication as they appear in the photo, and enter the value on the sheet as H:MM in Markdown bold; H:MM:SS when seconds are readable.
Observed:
**3:54**
